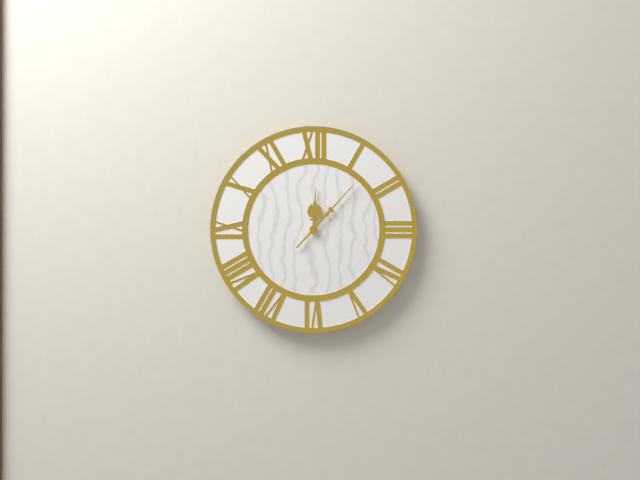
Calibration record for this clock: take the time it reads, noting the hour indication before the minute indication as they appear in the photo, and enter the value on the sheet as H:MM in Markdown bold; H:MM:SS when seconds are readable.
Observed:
**12:07**
